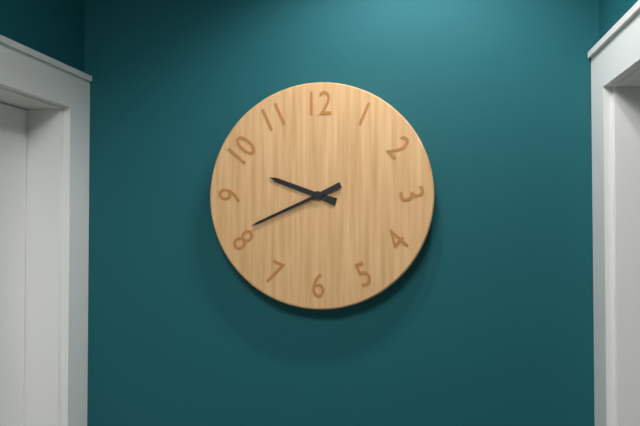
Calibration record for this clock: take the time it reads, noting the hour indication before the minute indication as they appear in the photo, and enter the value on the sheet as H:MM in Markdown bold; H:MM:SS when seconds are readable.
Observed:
**9:41**
